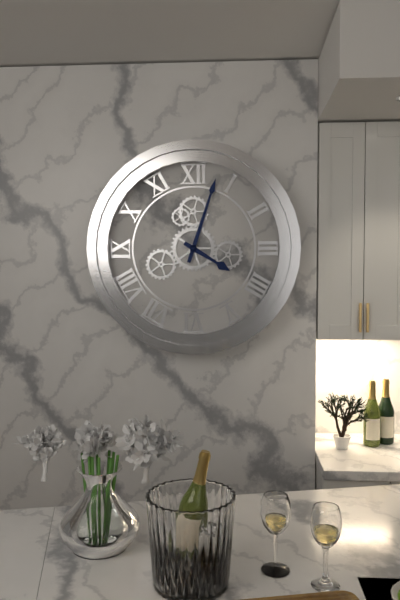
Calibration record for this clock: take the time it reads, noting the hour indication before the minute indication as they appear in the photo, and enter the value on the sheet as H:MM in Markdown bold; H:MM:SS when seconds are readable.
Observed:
**4:03**
